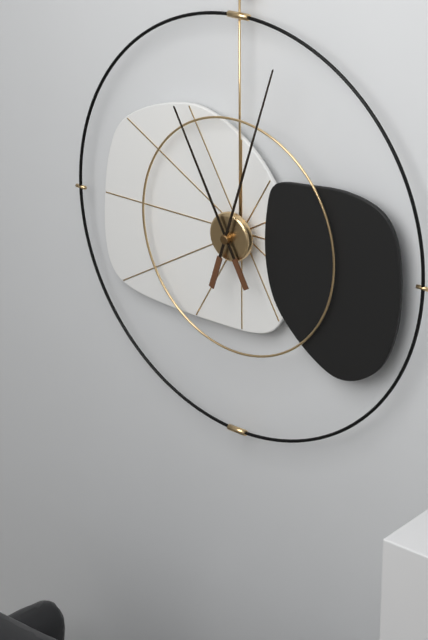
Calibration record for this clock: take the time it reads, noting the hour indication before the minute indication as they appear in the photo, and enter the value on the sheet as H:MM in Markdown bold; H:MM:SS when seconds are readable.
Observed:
**11:03**
